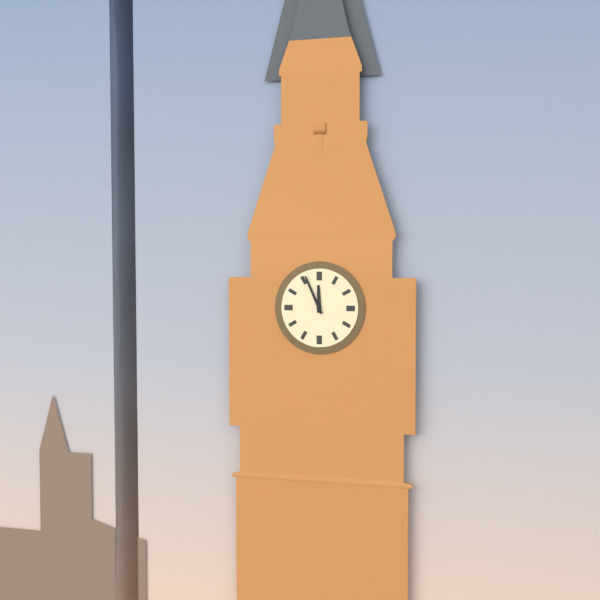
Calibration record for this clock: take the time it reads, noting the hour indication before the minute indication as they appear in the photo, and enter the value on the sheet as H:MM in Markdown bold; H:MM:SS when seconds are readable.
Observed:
**11:56**
